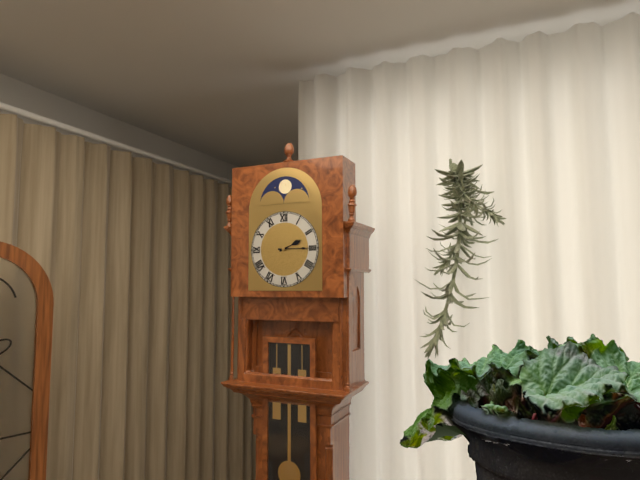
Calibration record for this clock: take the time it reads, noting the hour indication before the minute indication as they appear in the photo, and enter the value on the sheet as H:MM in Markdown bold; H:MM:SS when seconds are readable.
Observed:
**2:15**
